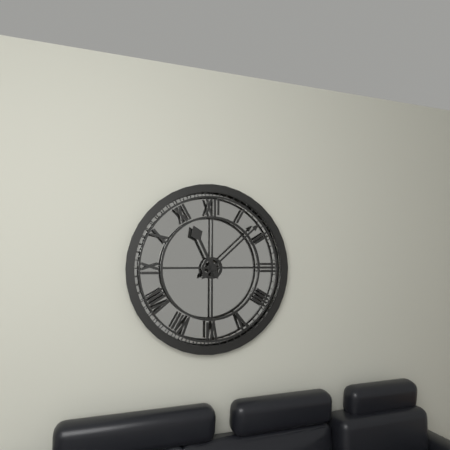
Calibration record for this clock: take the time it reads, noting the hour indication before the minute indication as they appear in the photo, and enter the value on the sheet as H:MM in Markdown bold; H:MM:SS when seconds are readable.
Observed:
**11:08**
